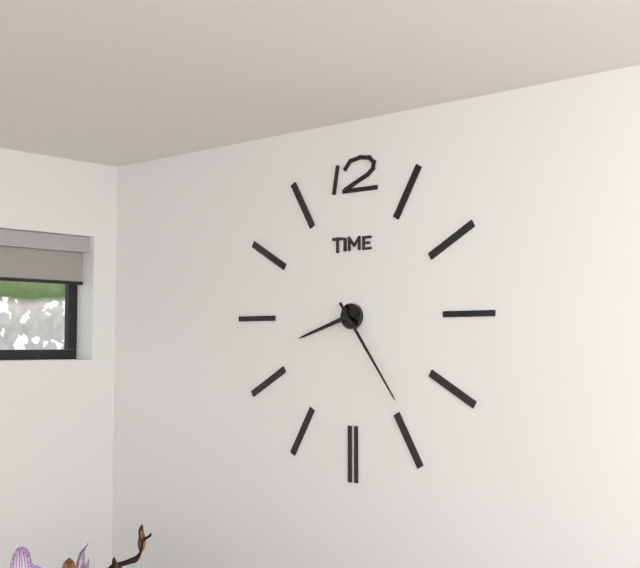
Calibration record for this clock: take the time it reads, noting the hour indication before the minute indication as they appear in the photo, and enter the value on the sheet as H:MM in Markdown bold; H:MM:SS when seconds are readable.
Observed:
**8:24**
